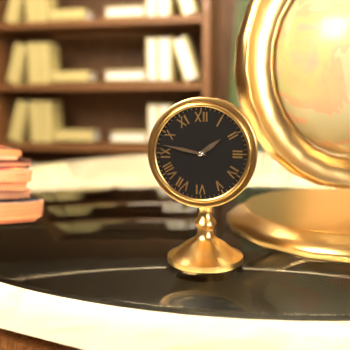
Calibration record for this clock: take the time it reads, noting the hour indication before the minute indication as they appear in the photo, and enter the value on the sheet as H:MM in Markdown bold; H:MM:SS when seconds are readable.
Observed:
**1:47**
